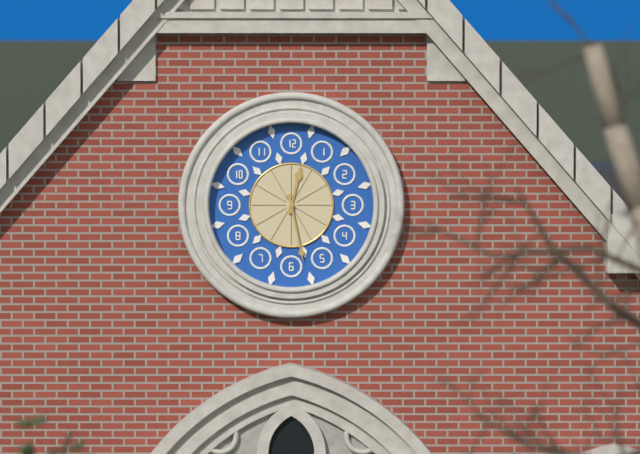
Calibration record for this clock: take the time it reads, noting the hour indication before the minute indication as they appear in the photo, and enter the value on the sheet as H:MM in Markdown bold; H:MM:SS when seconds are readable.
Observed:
**12:28**
